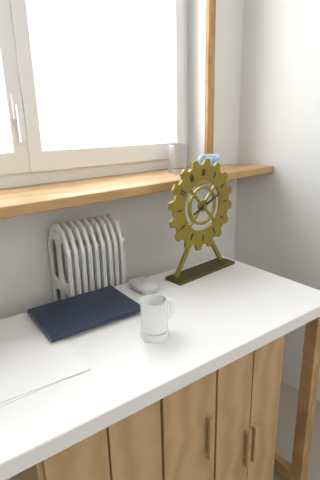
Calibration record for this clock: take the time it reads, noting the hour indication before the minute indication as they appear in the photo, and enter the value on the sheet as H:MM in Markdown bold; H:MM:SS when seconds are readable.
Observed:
**8:11**
